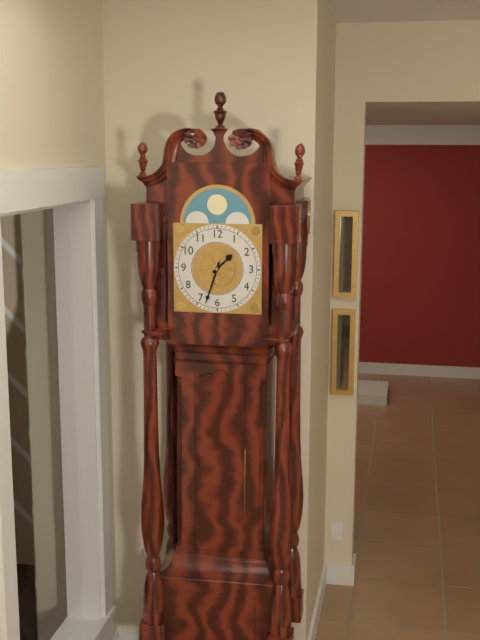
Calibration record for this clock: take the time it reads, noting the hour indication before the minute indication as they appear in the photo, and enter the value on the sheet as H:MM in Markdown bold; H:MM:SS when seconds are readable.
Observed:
**1:33**
